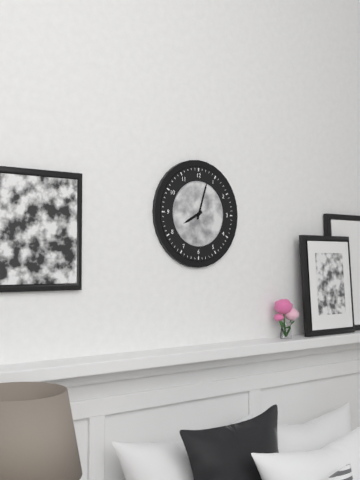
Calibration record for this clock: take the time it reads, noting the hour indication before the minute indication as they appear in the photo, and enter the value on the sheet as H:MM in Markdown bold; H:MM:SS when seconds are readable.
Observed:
**8:03**
